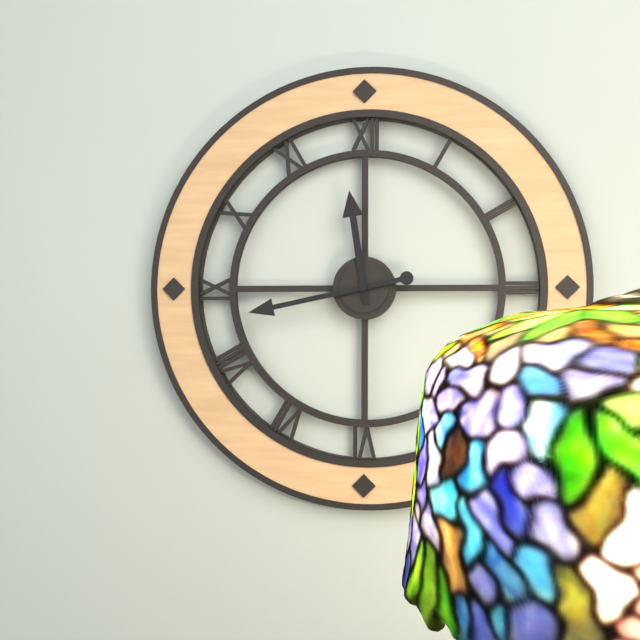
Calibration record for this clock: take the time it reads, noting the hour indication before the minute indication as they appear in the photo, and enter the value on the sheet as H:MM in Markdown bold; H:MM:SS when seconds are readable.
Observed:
**11:43**
